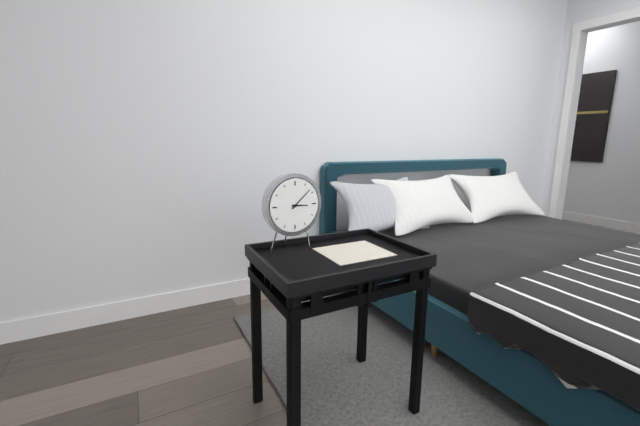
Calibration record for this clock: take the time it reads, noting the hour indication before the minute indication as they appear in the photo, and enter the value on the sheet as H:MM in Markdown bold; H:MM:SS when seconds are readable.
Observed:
**3:08**
